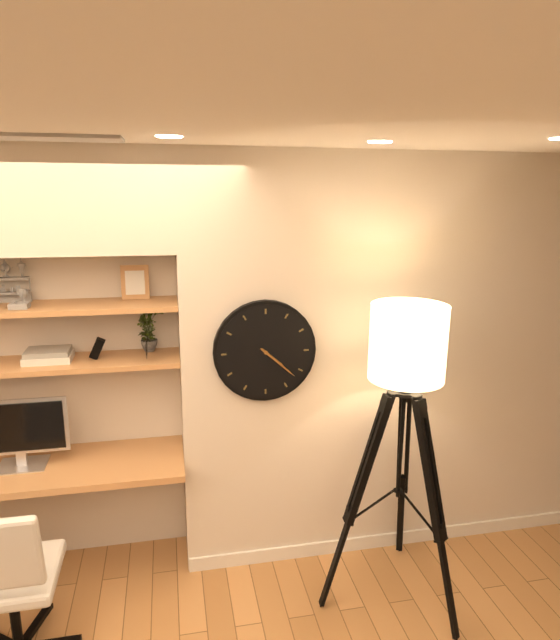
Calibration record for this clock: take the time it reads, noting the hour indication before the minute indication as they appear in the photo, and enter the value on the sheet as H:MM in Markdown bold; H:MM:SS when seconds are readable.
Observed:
**4:22**
